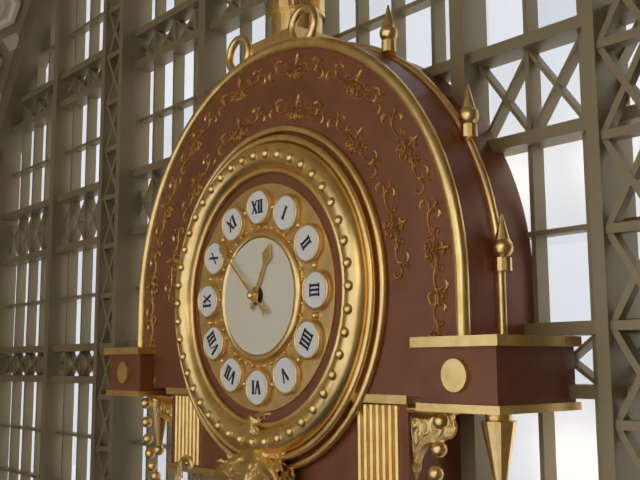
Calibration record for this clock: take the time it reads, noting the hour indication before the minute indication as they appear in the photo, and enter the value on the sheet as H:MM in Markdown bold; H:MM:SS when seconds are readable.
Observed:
**12:52**
